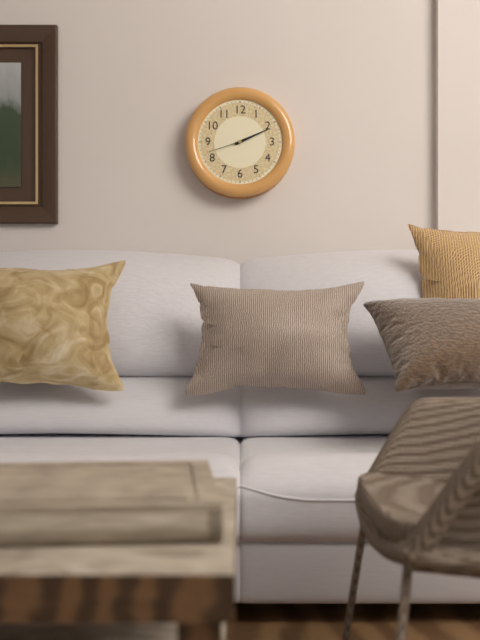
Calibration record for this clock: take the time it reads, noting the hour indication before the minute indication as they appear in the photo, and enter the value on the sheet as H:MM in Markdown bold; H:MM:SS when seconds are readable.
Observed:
**2:11**
